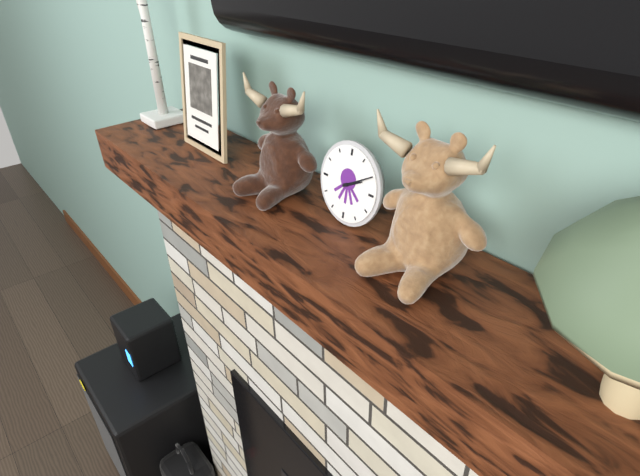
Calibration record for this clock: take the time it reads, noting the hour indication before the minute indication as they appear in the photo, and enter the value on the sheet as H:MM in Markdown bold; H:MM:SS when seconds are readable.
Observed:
**2:10**
